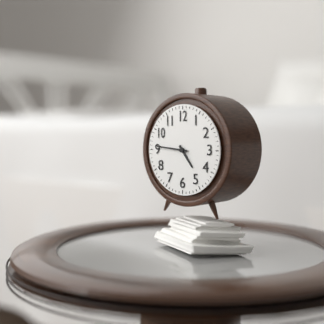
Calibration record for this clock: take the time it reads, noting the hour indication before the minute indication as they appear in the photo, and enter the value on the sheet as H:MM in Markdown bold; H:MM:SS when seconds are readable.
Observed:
**4:46**
